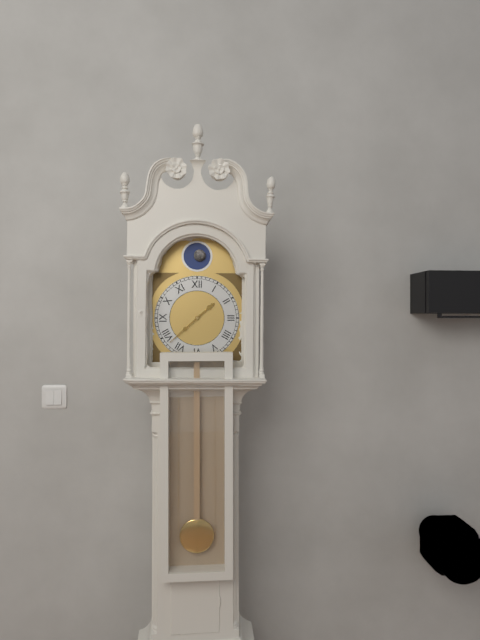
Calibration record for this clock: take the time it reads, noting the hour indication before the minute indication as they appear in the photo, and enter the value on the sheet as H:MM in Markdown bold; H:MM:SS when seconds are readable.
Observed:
**1:38**
